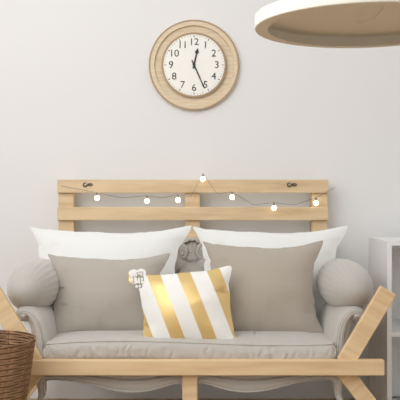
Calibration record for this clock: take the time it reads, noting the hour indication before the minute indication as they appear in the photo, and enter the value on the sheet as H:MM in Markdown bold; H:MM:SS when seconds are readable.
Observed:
**12:26**
